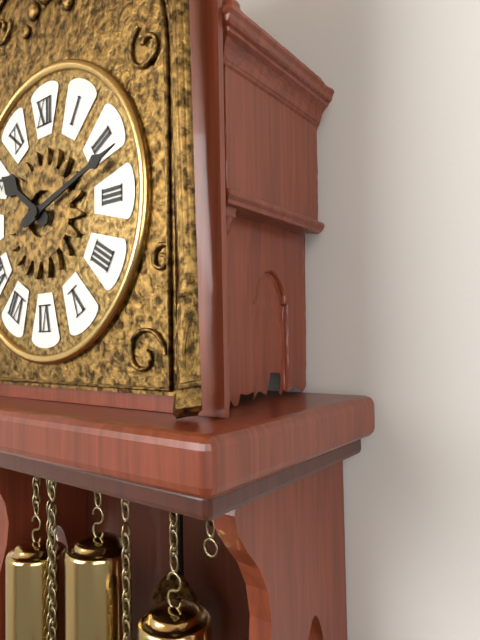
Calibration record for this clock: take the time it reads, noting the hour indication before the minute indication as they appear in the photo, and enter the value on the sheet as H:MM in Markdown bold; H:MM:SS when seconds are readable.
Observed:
**10:12**
